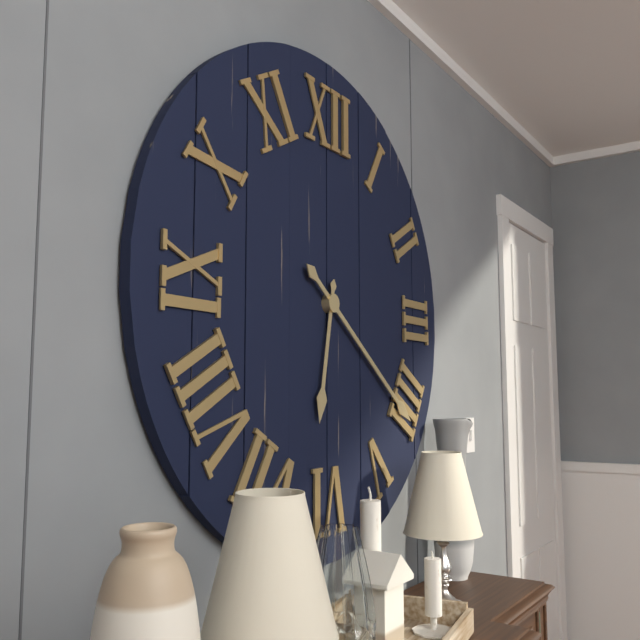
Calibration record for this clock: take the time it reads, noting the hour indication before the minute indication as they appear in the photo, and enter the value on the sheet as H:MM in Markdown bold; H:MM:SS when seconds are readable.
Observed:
**6:21**
